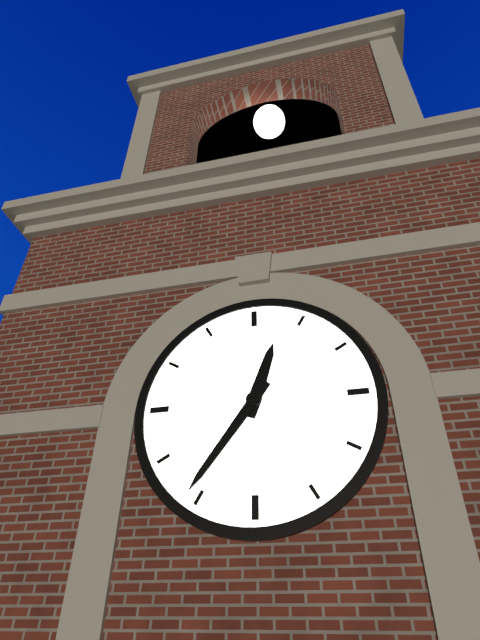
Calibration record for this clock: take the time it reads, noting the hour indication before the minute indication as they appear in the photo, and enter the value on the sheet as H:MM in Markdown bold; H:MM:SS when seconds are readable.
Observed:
**12:36**
